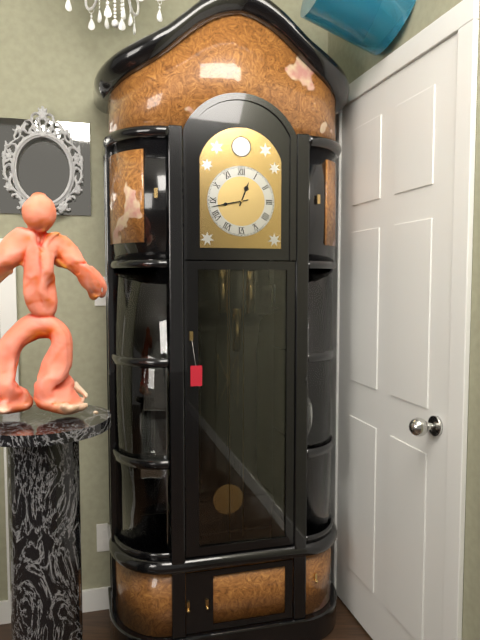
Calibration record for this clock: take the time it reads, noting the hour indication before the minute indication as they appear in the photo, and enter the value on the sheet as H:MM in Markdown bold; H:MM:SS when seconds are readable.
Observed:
**12:43**
